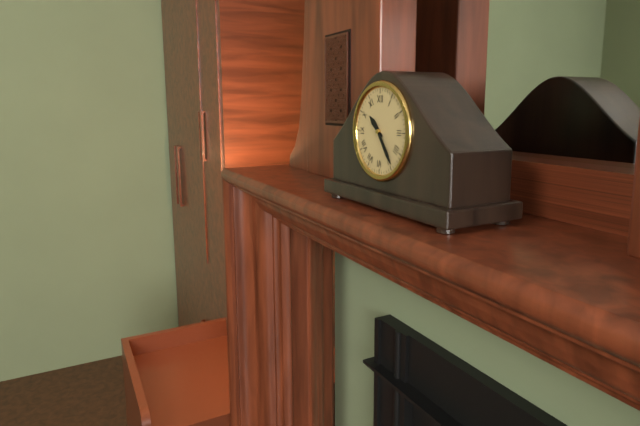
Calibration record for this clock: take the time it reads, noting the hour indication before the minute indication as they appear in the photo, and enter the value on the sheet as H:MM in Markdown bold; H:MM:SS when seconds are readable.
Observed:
**10:24**
